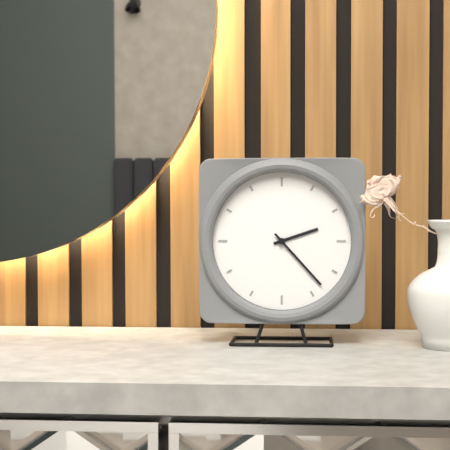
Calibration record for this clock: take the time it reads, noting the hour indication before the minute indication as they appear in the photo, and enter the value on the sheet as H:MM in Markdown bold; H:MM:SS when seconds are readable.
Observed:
**2:23**
